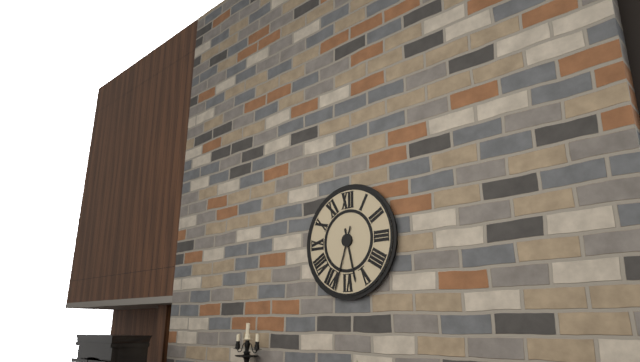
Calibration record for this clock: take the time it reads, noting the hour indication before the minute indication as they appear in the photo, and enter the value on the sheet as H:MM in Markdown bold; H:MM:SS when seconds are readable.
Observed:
**5:33**
